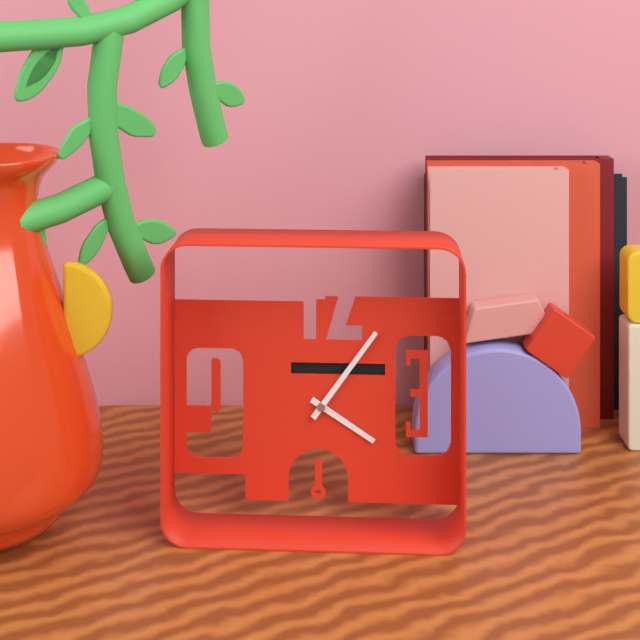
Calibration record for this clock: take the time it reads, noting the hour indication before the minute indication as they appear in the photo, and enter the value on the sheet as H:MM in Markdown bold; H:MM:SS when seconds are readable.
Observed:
**4:06**
